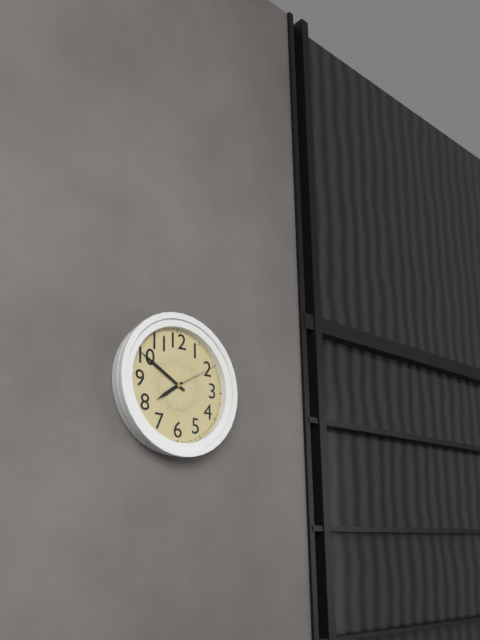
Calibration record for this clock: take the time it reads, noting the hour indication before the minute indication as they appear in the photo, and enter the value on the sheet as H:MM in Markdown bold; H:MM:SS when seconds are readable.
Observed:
**7:50**
